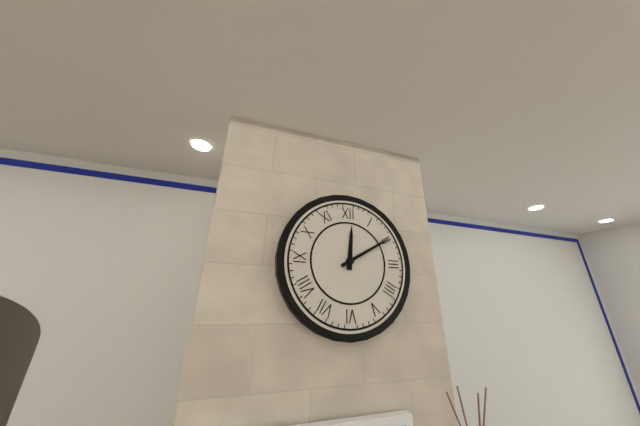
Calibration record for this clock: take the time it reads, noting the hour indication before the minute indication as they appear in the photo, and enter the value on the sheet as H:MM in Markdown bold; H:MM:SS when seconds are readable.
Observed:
**12:10**
